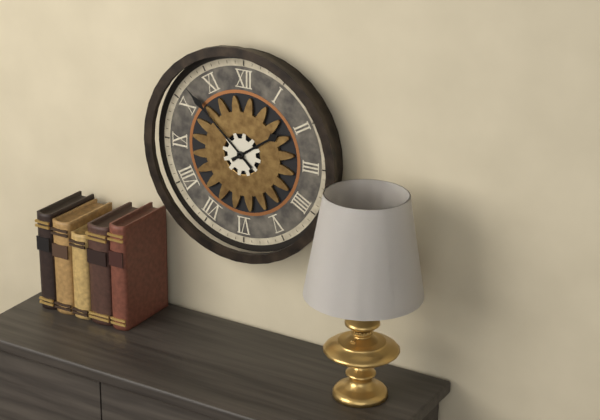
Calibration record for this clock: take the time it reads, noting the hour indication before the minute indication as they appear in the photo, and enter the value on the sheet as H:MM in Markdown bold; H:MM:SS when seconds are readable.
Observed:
**1:52**
